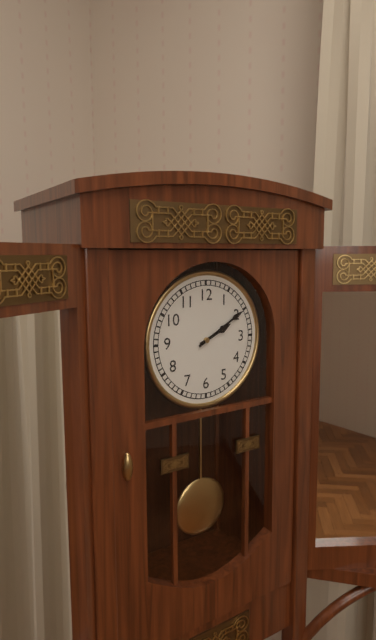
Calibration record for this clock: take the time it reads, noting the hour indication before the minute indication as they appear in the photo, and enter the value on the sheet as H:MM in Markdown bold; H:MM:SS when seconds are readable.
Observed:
**2:10**
